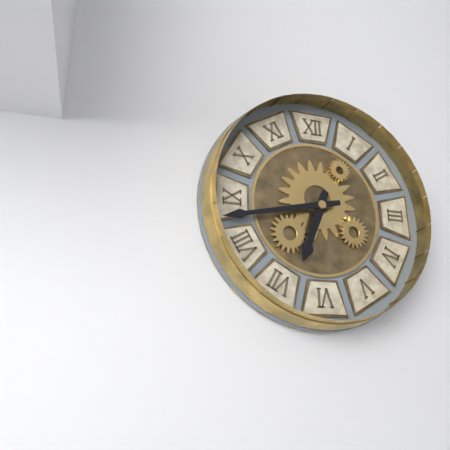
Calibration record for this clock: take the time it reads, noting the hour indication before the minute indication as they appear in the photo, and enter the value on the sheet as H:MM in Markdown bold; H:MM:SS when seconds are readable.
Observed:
**6:43**
